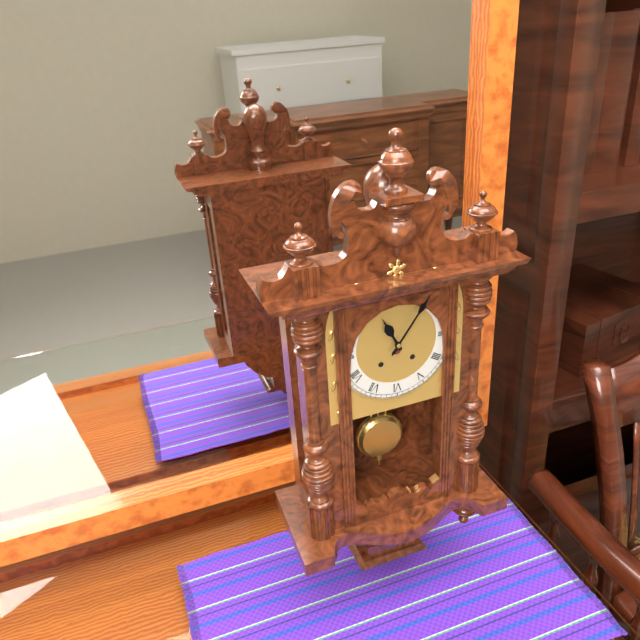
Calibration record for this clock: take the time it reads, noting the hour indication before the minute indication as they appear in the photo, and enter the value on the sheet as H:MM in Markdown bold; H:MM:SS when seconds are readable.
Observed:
**11:06**
